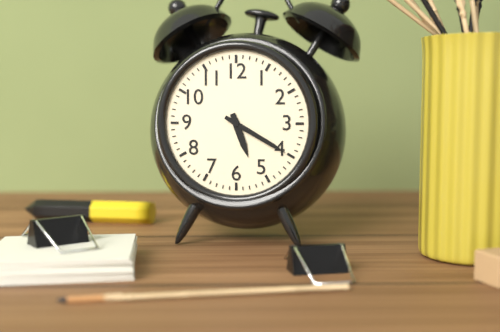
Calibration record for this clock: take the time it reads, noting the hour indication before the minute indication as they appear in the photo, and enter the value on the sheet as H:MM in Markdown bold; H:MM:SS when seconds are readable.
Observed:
**5:20**
